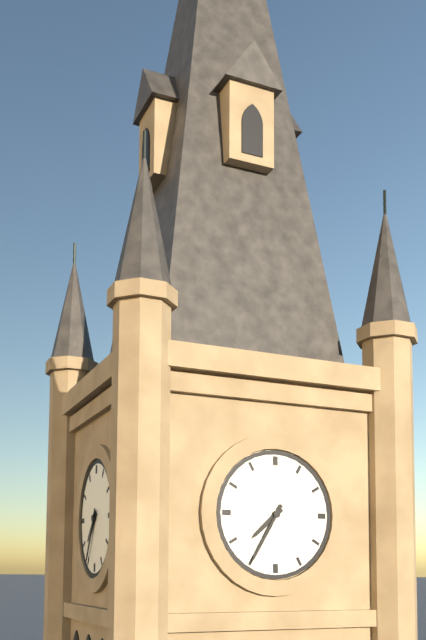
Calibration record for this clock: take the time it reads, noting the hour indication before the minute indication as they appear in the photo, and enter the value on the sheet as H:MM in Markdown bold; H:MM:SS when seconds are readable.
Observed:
**7:35**
